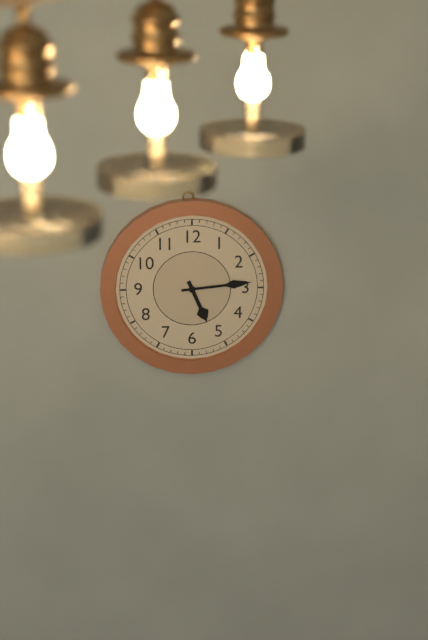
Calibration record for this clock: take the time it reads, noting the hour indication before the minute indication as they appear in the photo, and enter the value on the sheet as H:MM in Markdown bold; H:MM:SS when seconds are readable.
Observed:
**5:14**
